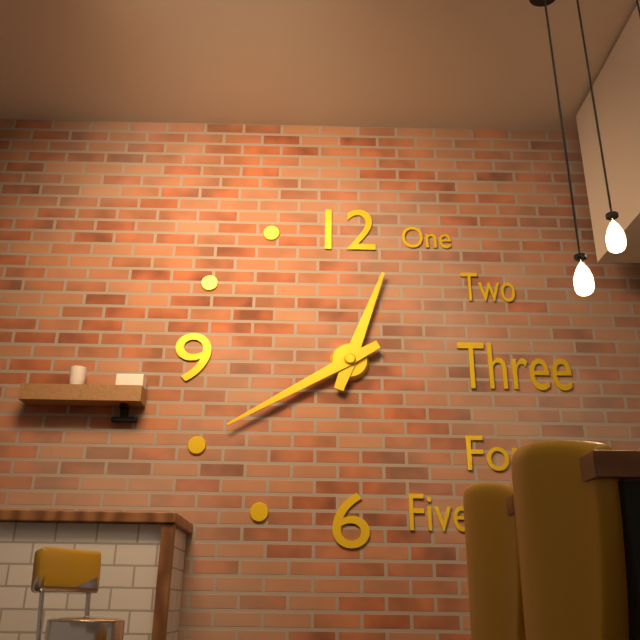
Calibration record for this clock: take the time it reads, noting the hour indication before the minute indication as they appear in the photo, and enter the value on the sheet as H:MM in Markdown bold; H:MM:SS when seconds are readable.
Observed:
**12:40**
